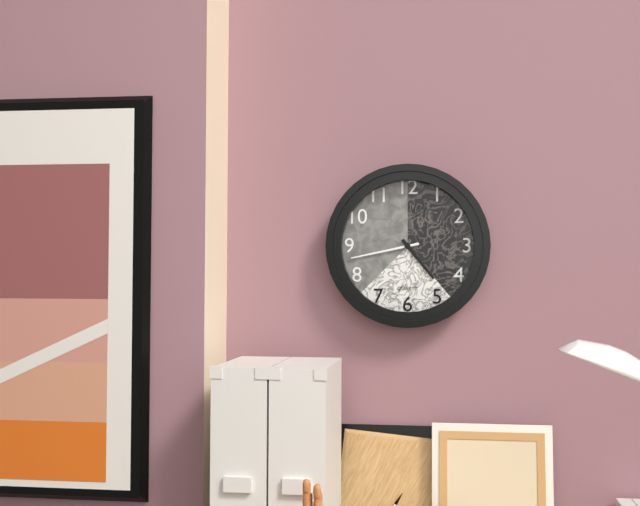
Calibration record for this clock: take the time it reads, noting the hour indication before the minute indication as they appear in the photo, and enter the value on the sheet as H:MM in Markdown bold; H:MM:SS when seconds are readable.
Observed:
**4:43**
